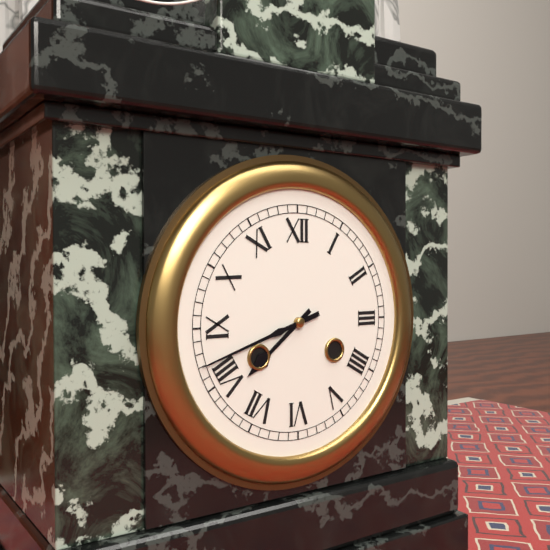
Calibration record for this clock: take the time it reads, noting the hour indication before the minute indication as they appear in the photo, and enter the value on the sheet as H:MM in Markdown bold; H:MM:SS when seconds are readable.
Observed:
**7:42**
